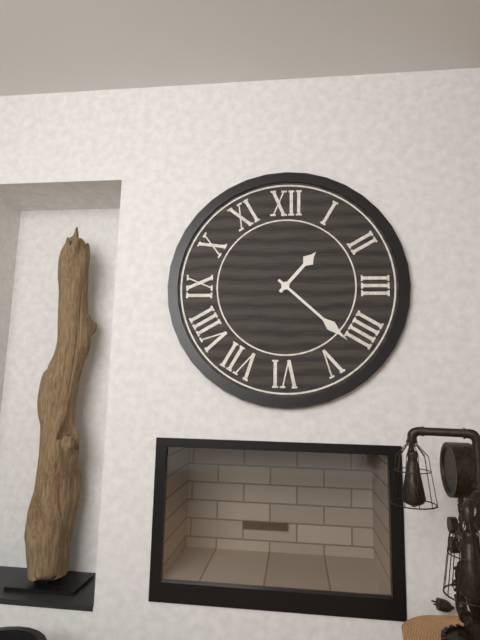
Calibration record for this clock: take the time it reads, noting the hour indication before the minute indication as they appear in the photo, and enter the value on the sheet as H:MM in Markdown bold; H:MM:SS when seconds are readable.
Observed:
**1:22**
